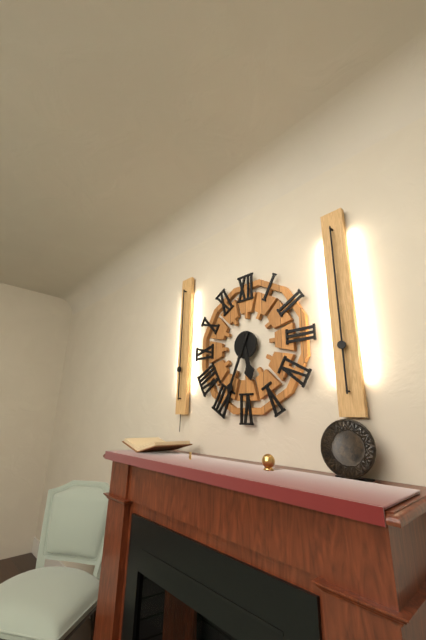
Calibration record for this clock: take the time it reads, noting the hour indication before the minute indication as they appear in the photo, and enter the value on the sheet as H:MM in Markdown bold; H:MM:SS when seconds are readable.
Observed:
**5:34**
